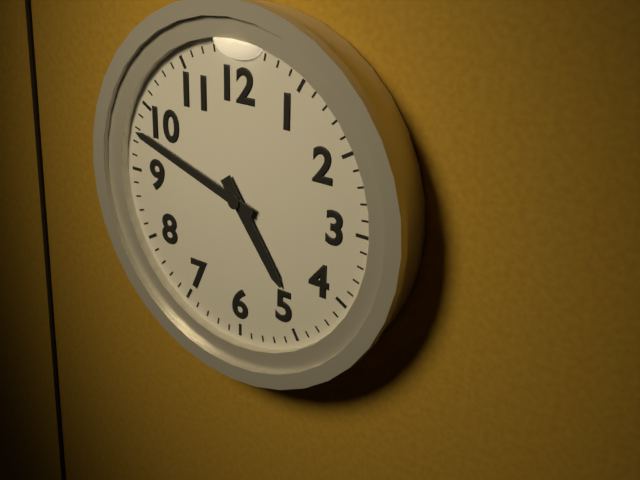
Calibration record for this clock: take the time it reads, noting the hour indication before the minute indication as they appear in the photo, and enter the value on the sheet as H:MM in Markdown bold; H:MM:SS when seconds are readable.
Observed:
**4:48**
